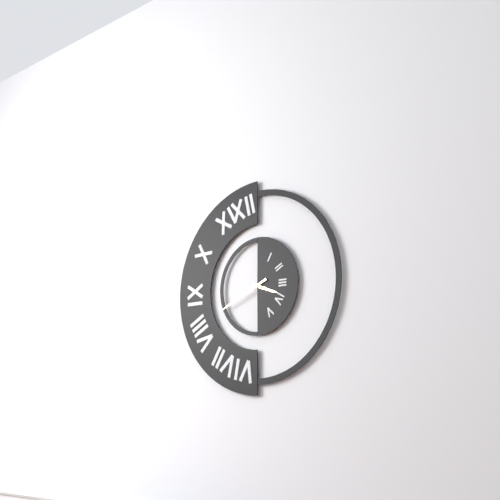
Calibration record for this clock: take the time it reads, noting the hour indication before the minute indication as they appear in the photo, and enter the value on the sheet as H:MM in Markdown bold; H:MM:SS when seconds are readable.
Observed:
**3:41**
